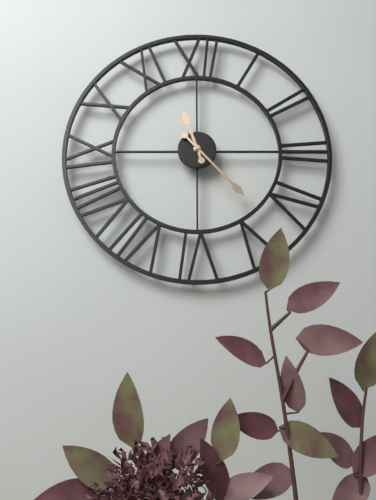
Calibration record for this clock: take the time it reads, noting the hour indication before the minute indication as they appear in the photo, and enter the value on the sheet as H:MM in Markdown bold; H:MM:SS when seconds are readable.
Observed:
**11:23**
